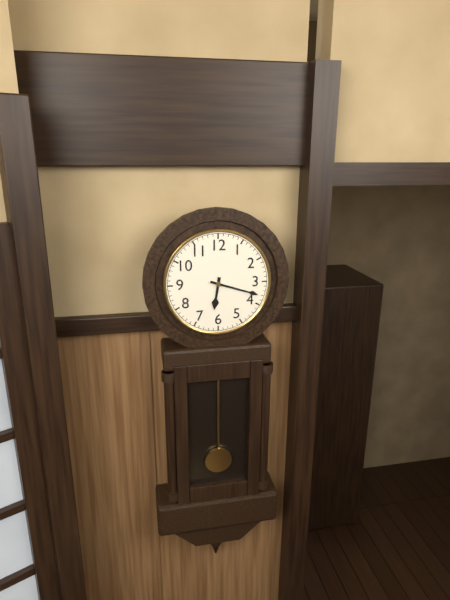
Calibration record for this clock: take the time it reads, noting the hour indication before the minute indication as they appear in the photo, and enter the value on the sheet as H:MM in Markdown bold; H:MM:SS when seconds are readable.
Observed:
**6:18**
